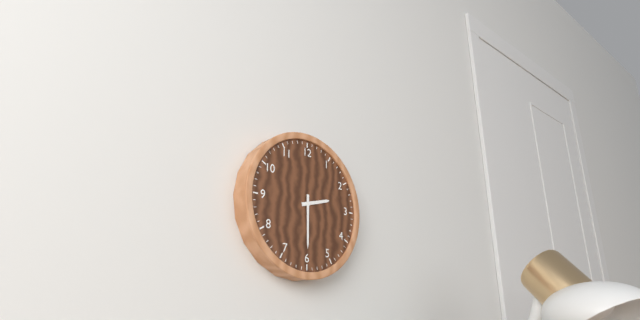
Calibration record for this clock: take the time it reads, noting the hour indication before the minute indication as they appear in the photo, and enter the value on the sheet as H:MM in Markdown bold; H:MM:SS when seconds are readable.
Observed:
**2:30**
